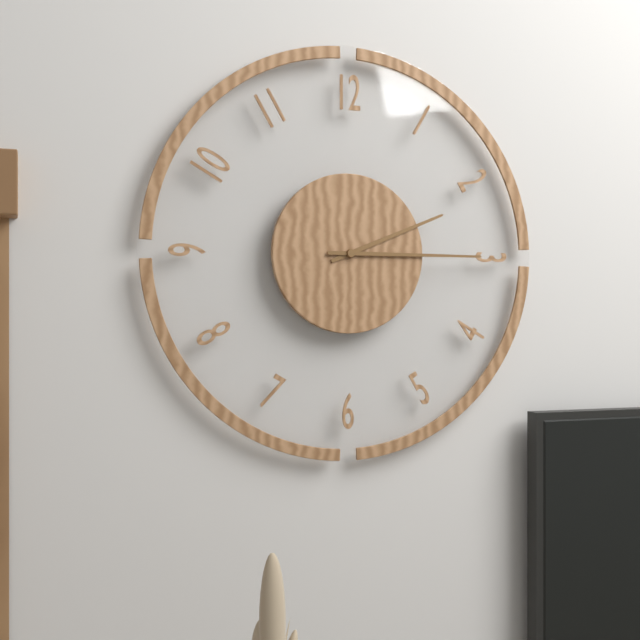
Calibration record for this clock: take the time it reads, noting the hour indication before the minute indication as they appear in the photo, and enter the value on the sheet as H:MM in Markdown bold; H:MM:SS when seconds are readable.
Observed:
**2:15**
